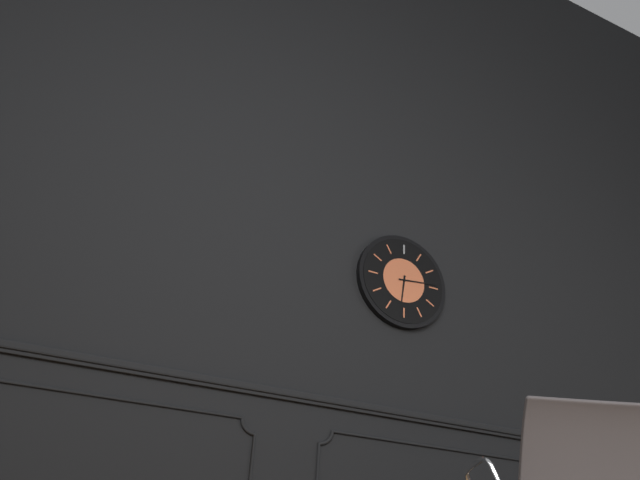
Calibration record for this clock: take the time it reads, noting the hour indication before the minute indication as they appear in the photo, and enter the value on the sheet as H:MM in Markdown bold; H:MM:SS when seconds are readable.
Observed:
**6:14**
